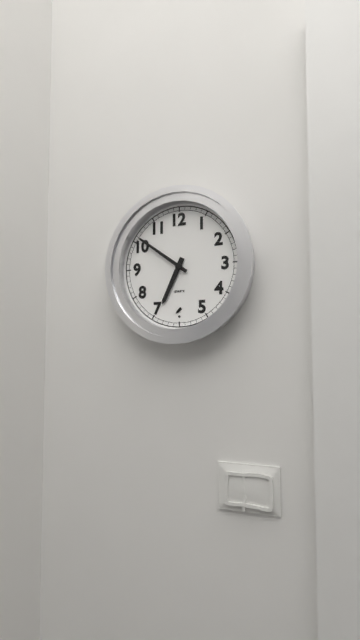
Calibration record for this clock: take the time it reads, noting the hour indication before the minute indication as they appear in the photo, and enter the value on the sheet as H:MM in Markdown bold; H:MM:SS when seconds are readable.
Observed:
**6:51**
